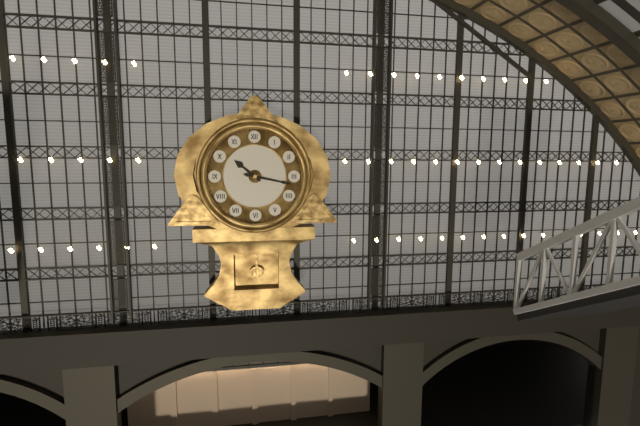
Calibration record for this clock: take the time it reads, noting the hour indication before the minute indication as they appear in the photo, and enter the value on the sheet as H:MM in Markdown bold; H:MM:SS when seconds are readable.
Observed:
**10:17**
